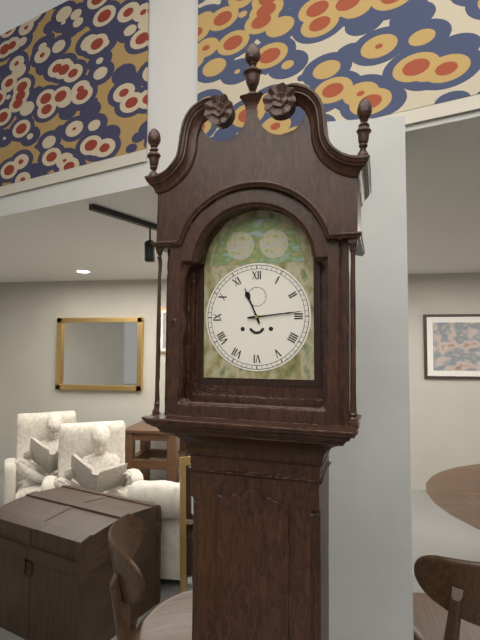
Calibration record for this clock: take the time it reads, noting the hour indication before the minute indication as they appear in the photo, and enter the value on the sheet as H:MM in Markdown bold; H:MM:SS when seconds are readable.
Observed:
**11:14**
